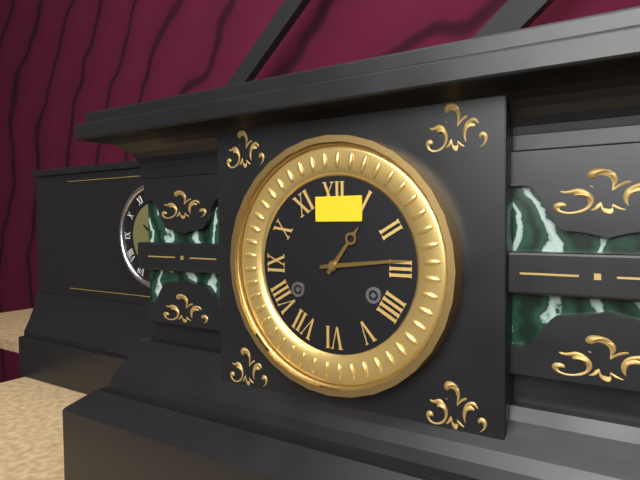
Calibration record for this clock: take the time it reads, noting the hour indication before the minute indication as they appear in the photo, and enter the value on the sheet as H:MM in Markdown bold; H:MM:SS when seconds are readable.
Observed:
**1:14**
